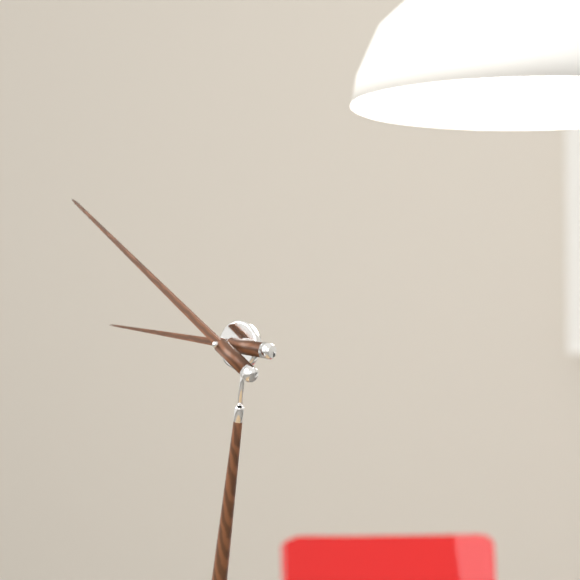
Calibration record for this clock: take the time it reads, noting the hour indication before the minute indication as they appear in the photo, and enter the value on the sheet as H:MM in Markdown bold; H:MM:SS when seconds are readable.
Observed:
**8:49**
